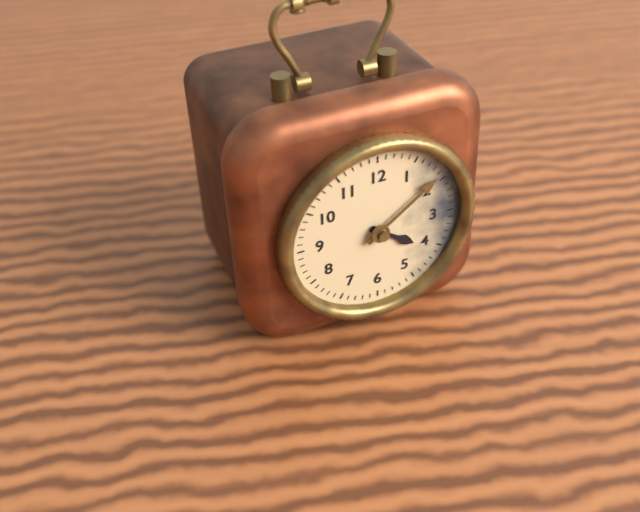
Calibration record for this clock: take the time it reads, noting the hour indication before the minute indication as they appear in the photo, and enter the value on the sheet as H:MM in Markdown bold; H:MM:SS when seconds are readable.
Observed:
**4:09**
